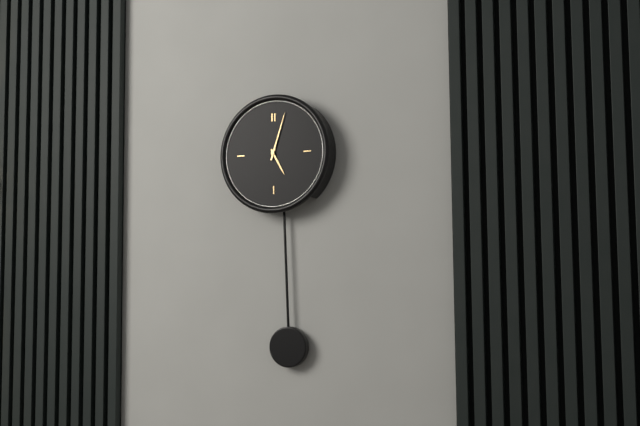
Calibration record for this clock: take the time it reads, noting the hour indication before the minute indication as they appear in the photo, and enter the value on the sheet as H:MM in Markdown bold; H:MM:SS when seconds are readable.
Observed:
**5:03**
